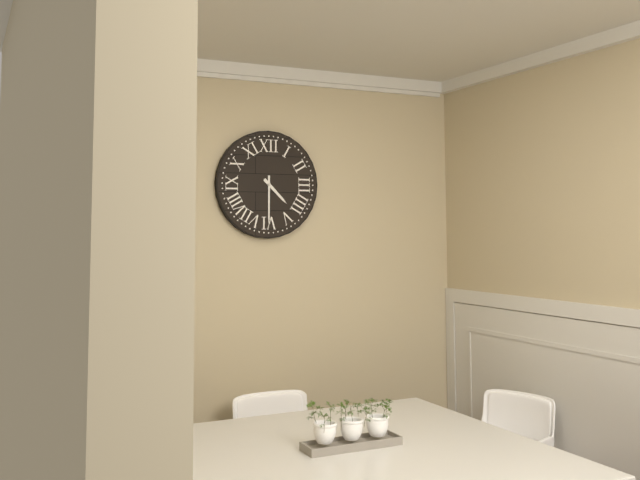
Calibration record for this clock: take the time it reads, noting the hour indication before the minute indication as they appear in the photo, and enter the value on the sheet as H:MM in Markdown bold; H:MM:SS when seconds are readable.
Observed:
**4:30**
